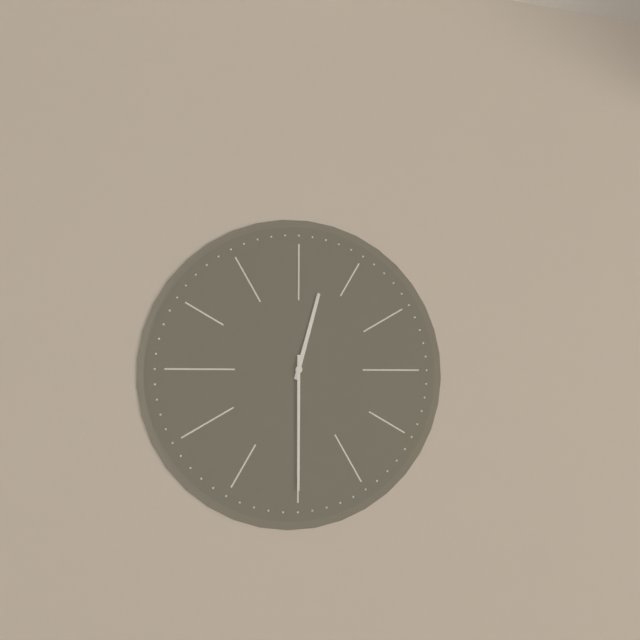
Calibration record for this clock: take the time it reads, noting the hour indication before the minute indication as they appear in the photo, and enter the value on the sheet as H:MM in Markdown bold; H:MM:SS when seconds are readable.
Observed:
**12:30**
